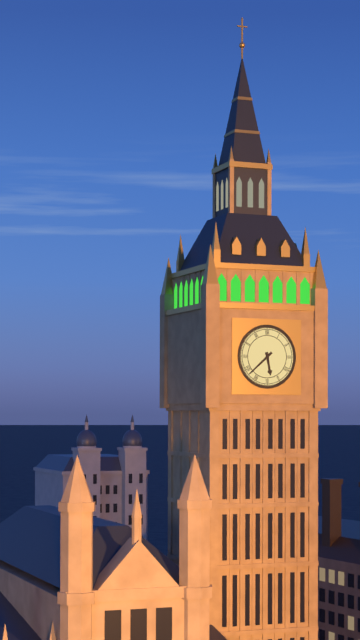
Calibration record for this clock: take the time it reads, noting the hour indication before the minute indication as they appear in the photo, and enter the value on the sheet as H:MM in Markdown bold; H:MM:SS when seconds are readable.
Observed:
**5:38**
